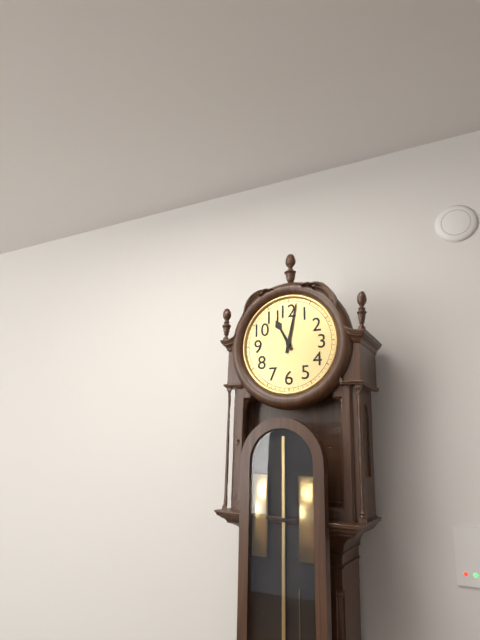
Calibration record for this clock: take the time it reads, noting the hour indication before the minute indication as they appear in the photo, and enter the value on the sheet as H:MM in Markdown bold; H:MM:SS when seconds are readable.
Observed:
**11:02**
